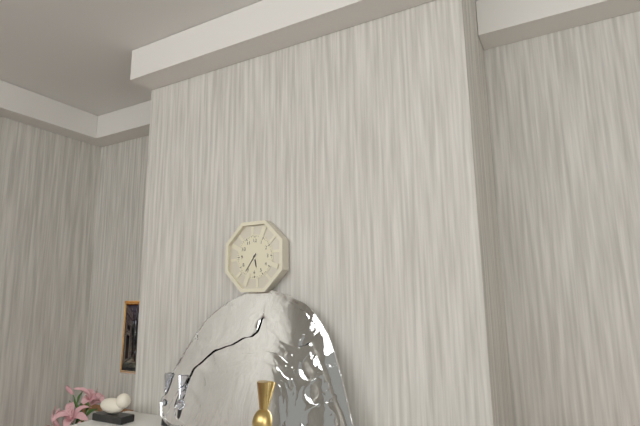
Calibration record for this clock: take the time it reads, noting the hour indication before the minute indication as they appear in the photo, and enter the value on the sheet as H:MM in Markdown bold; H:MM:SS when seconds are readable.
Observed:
**5:36**
